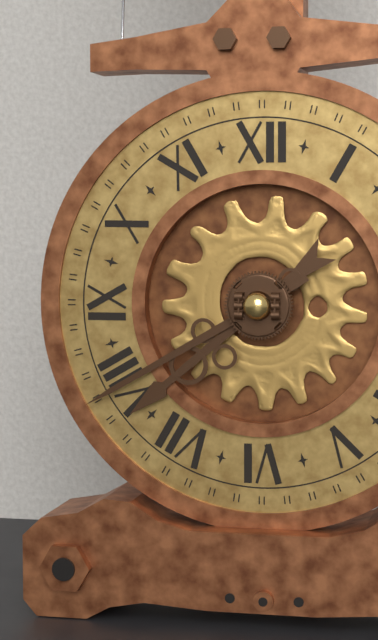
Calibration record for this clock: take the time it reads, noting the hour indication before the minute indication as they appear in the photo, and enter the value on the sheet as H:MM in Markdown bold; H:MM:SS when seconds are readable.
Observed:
**7:40**
